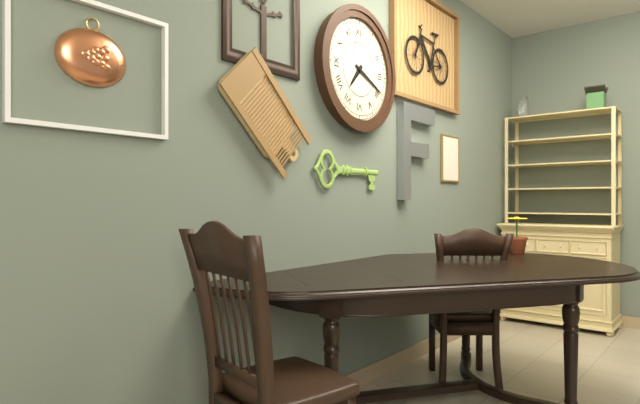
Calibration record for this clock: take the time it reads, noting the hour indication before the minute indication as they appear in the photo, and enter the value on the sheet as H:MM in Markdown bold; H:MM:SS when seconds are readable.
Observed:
**7:19**
